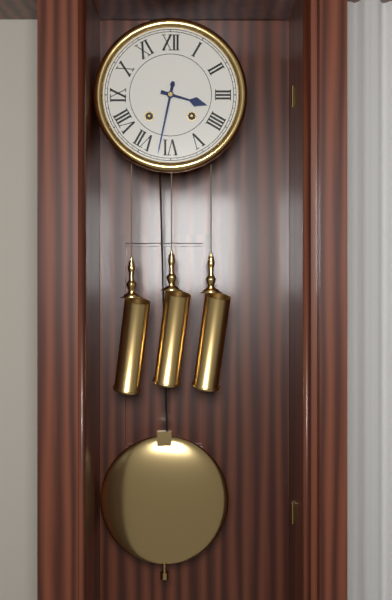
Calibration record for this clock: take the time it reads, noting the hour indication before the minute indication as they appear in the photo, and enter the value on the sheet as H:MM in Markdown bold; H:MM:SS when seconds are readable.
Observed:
**3:32**
